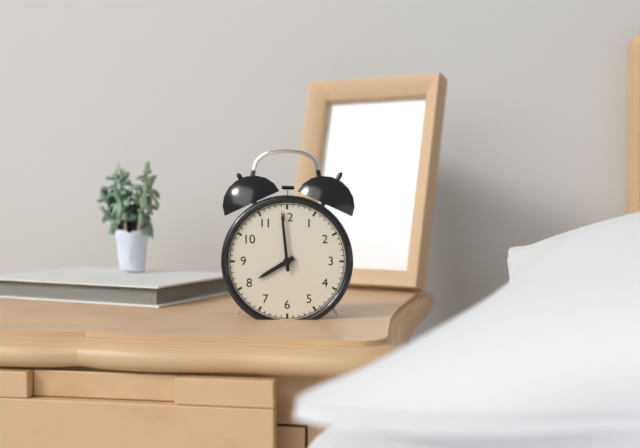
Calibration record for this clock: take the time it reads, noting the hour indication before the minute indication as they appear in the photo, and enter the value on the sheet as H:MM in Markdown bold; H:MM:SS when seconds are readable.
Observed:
**7:59**
